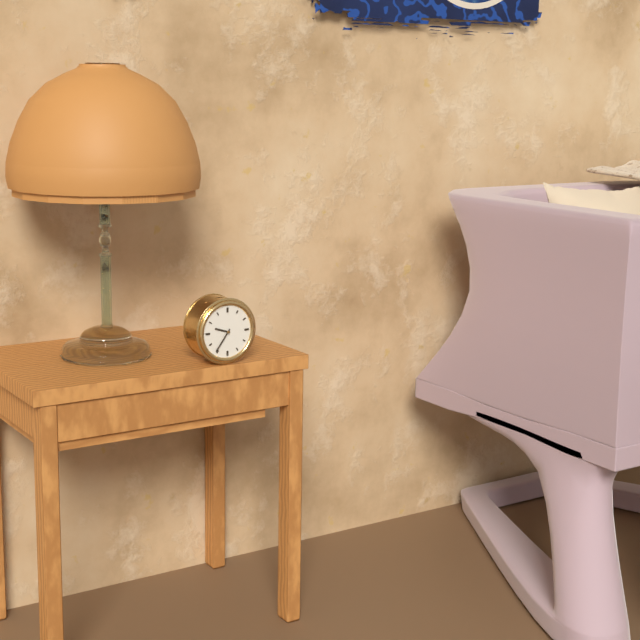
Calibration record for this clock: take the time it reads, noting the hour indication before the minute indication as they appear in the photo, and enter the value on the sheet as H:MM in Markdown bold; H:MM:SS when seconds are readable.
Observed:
**9:36**
